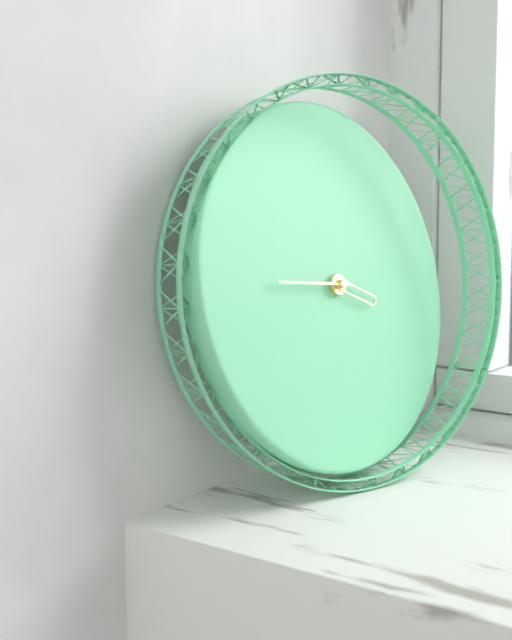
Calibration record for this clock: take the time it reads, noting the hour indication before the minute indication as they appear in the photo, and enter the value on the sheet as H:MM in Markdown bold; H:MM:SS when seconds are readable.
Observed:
**3:46**
